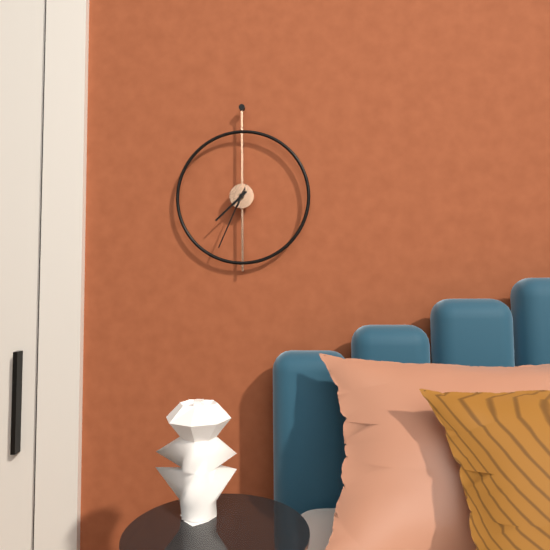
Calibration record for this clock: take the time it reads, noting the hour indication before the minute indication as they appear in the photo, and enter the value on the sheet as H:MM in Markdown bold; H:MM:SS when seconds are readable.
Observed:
**7:34**
